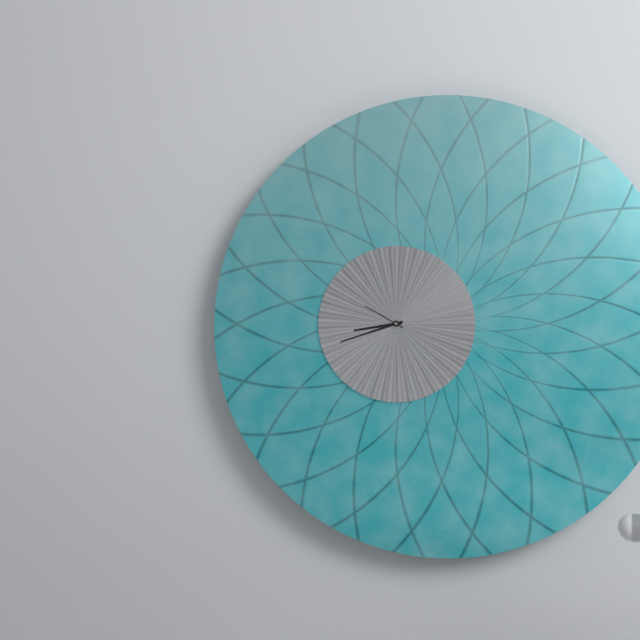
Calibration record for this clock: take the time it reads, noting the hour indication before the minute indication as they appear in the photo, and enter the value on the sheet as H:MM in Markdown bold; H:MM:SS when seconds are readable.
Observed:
**8:42**
